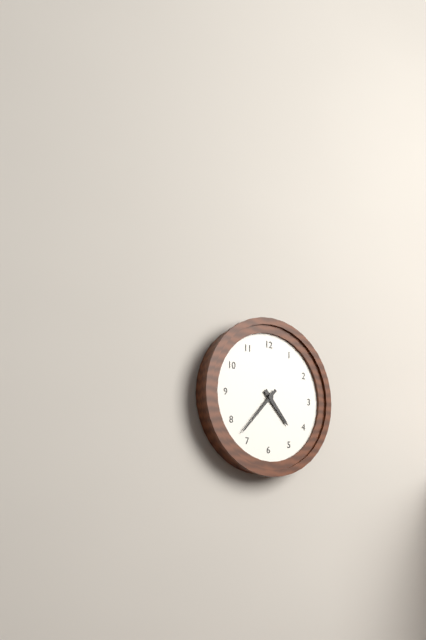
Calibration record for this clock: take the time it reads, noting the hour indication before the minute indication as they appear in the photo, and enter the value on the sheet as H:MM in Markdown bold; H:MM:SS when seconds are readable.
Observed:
**4:37**
